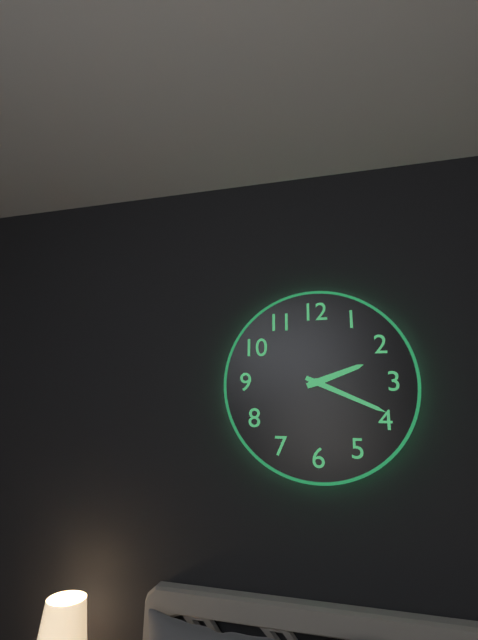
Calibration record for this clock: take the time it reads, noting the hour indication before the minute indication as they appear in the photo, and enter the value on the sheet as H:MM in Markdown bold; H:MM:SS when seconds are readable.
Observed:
**2:19**
